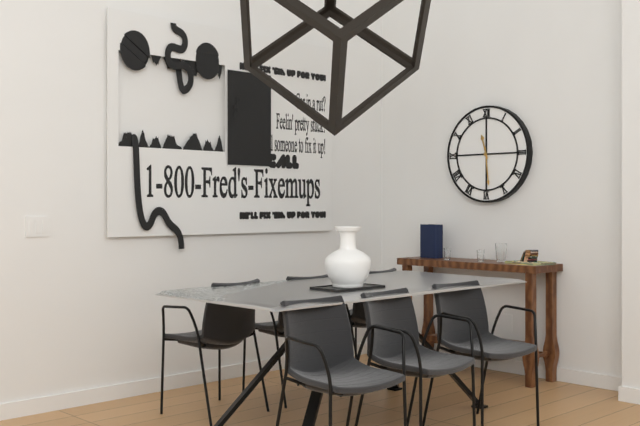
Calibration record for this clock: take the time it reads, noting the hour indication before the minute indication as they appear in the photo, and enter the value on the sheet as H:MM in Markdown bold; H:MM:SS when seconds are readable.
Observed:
**11:29**
